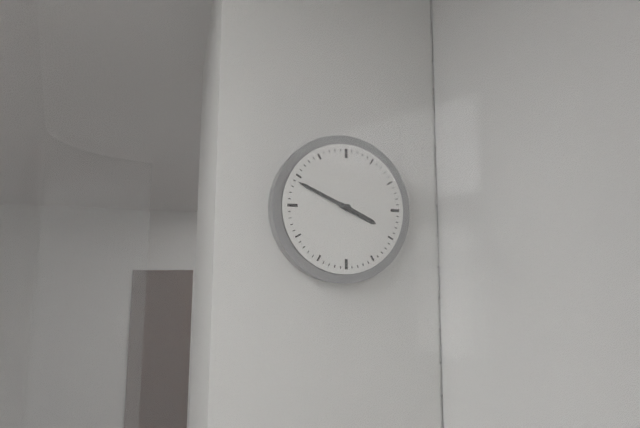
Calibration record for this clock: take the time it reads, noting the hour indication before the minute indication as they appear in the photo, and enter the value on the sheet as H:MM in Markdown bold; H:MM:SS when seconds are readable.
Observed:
**3:49**
